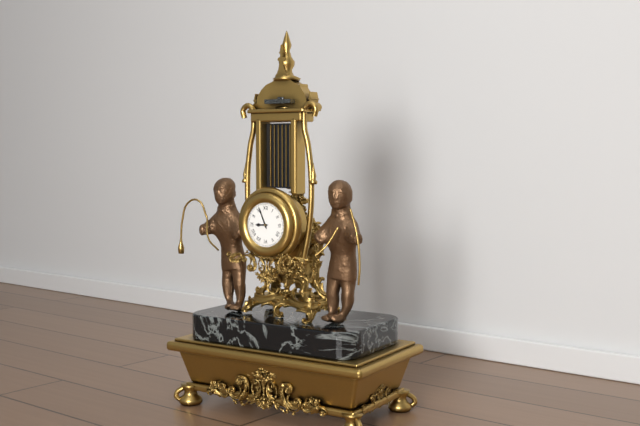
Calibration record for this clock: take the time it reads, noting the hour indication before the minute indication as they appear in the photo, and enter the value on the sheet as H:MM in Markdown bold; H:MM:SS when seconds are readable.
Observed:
**8:56**
